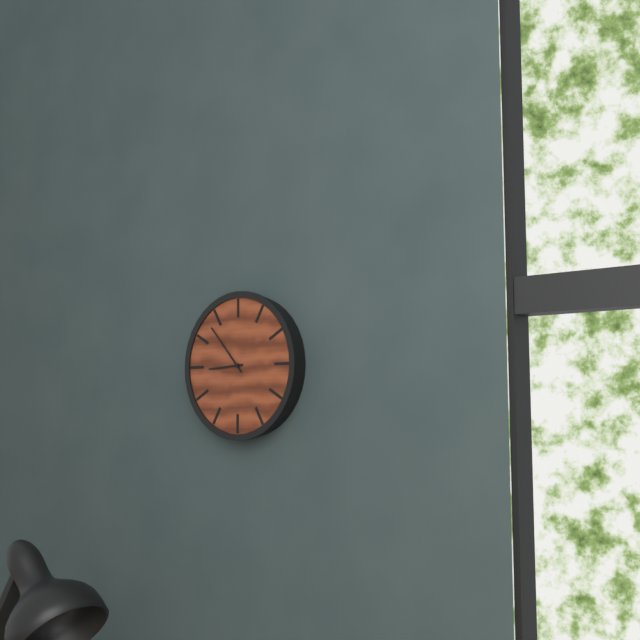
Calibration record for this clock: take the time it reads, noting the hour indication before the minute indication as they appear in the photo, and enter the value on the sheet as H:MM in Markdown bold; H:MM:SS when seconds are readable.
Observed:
**8:53**
